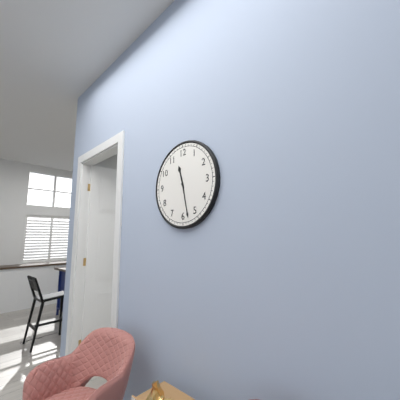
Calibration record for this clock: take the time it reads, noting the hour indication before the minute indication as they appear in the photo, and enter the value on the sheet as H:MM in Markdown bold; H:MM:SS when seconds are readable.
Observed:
**11:28**
